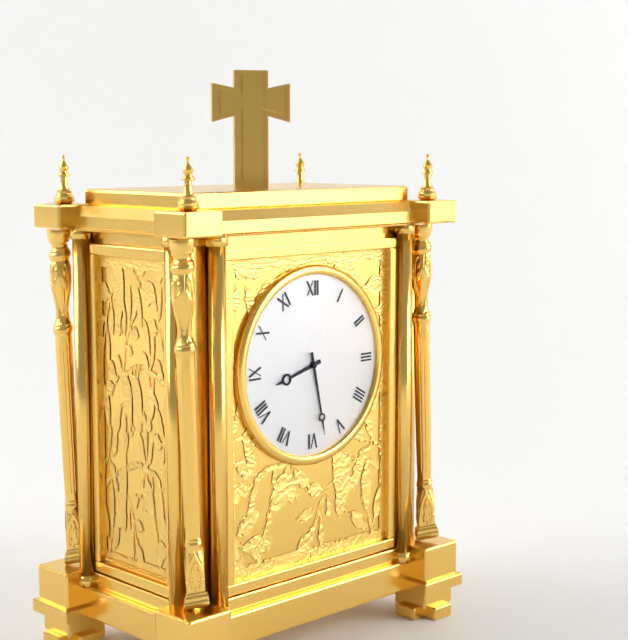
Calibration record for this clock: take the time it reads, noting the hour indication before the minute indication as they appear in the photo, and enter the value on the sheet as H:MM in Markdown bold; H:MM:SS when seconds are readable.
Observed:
**8:28**
